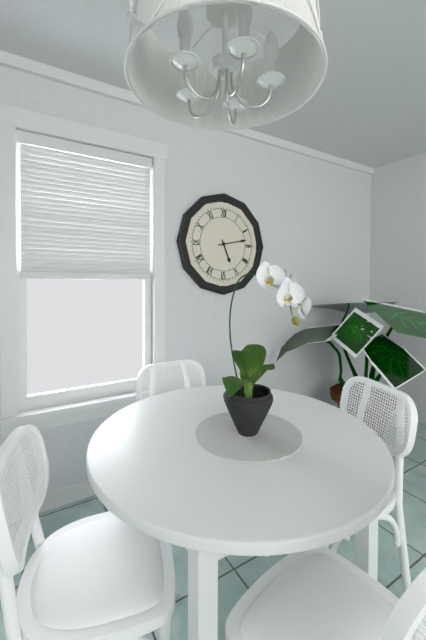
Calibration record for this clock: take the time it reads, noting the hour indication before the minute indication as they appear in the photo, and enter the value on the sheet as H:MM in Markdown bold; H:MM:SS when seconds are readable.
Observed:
**5:13**
